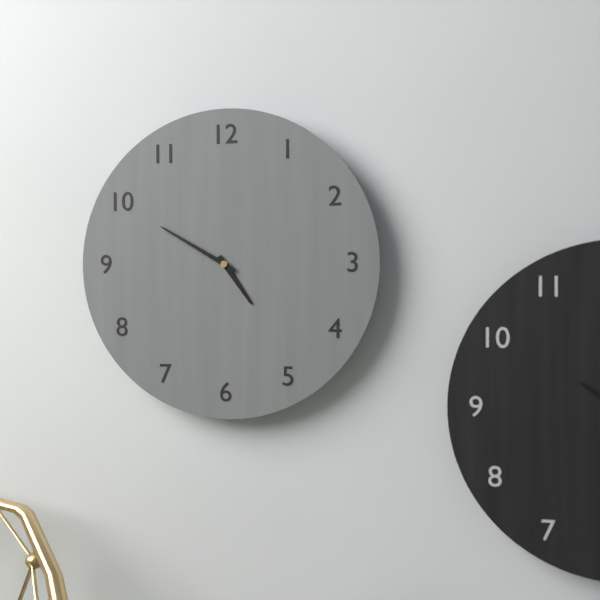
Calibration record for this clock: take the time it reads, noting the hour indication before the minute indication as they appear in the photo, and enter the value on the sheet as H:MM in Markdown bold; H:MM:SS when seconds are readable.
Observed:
**4:50**
